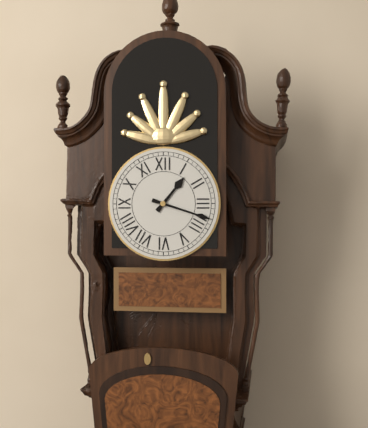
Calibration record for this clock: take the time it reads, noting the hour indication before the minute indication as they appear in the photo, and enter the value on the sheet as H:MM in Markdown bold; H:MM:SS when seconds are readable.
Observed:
**1:18**
